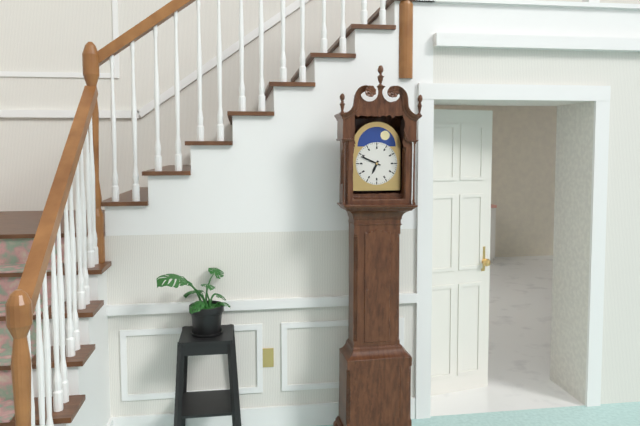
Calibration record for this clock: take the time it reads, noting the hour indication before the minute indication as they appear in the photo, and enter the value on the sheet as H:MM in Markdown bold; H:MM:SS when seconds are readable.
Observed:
**6:49**
